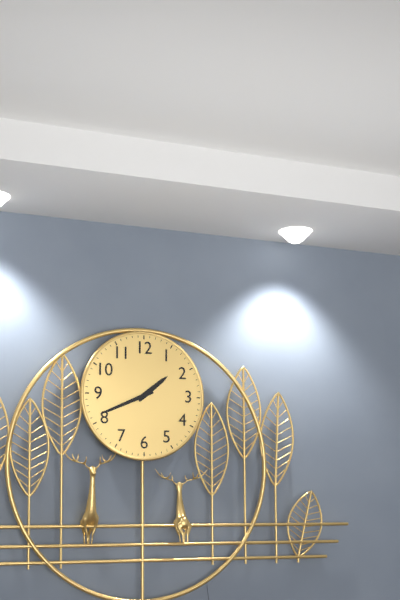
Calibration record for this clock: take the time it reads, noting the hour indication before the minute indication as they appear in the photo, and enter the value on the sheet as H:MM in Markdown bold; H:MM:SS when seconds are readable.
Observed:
**1:41**
